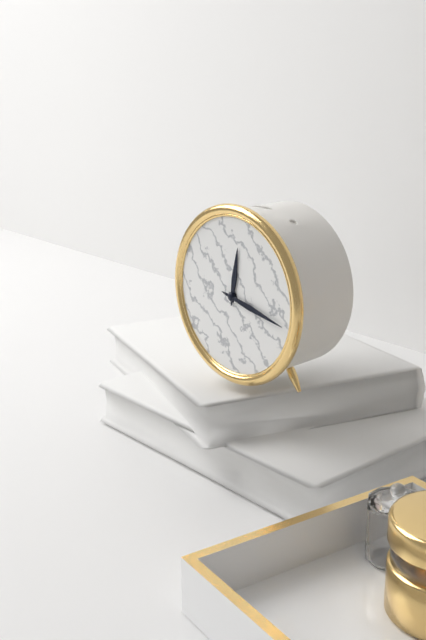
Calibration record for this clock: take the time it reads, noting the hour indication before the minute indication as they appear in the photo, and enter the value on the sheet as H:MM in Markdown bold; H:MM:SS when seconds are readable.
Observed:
**12:17**
